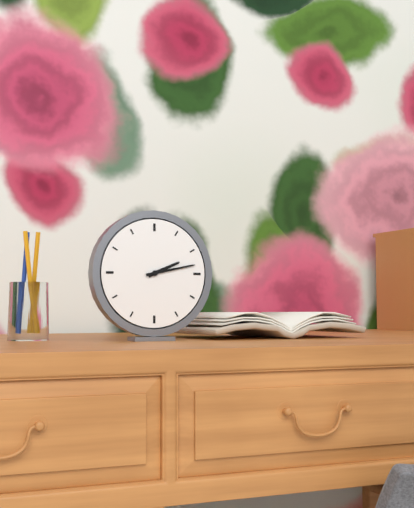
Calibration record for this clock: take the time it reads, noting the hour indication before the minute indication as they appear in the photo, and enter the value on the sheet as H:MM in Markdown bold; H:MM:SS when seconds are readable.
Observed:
**2:13**
